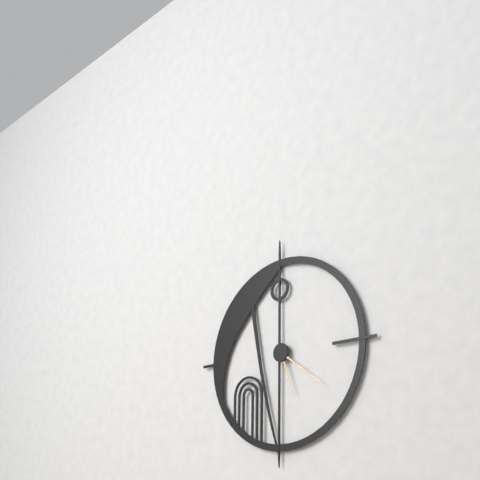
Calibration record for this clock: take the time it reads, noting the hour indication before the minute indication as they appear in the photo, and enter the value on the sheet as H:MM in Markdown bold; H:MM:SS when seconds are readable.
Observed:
**5:21**
